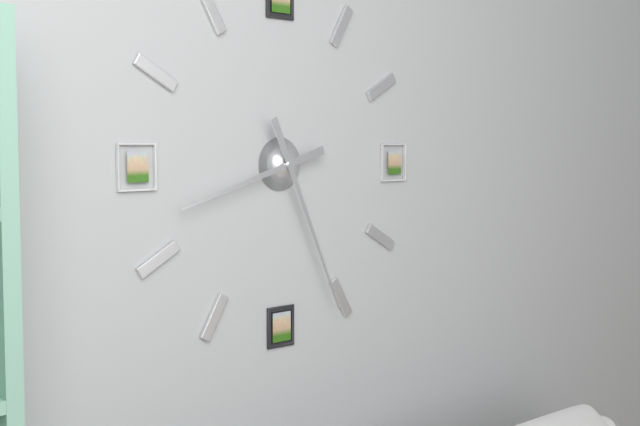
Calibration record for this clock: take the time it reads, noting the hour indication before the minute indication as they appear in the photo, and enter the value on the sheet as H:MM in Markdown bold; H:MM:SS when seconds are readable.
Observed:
**8:26**
